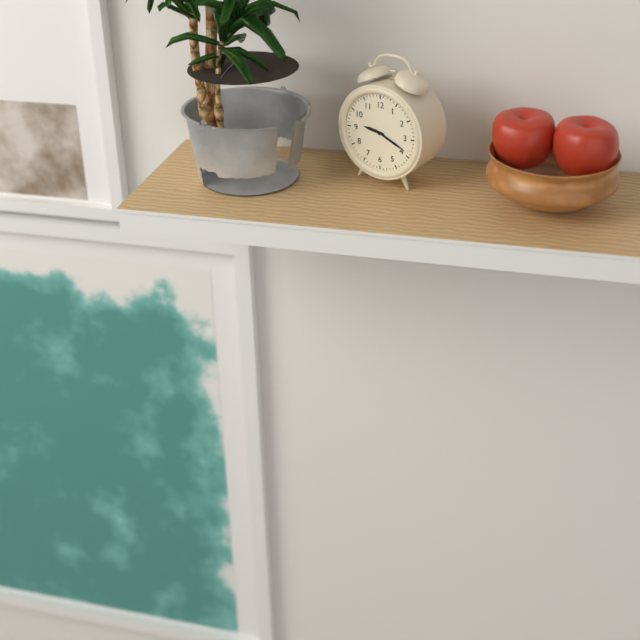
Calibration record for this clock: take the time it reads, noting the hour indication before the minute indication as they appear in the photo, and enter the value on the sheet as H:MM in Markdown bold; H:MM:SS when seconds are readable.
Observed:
**9:19**
